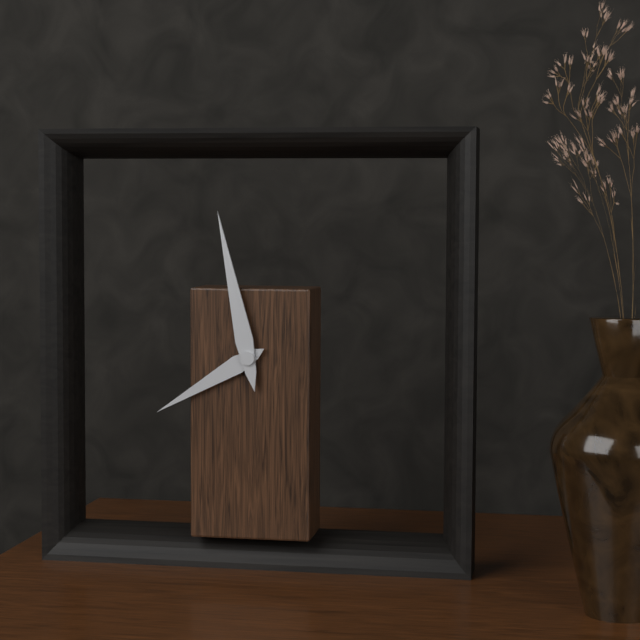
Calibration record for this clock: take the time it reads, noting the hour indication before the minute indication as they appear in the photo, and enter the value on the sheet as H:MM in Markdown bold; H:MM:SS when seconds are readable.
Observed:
**7:58**
